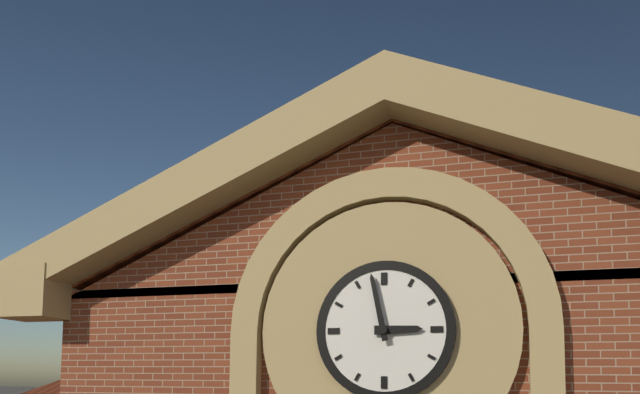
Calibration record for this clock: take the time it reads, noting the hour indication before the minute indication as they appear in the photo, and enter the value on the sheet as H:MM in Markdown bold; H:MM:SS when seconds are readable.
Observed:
**2:58**
